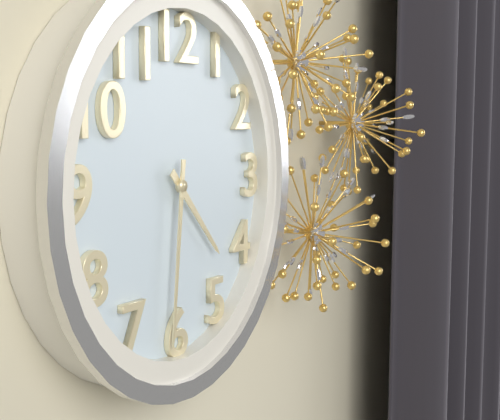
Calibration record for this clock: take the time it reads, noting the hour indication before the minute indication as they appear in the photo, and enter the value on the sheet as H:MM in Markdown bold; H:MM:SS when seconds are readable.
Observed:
**4:31**
